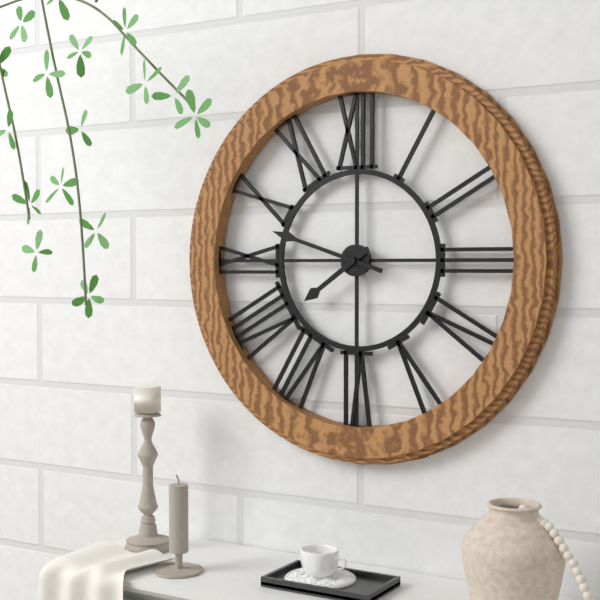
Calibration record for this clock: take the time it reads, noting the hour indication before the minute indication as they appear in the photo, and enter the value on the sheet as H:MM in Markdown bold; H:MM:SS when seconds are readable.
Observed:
**7:48**
